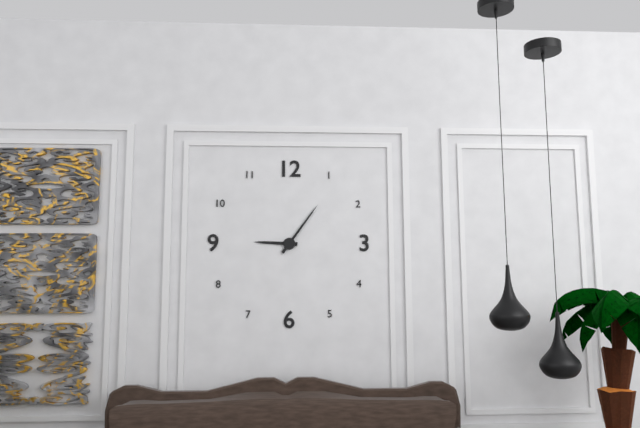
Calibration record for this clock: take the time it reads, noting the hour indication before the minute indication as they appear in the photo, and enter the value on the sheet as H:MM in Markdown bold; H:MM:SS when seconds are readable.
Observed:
**9:06**
